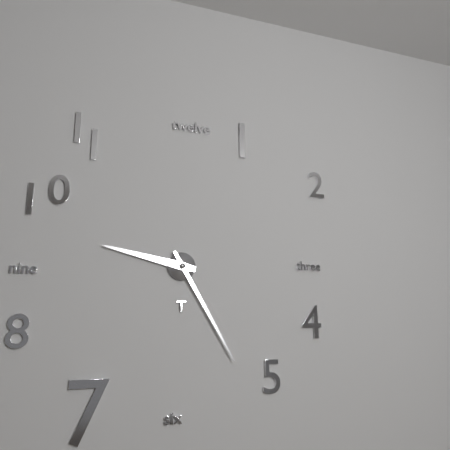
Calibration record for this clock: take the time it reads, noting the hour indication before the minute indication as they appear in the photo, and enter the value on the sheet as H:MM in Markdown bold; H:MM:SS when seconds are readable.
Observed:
**9:25**
